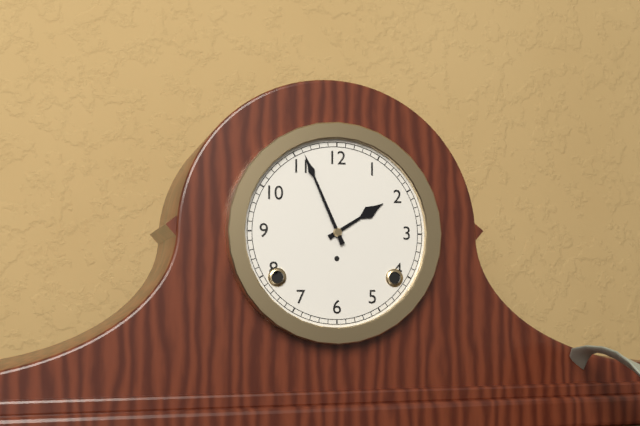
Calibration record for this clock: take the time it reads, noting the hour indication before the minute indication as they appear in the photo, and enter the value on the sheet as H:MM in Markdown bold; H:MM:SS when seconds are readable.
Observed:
**1:56**
